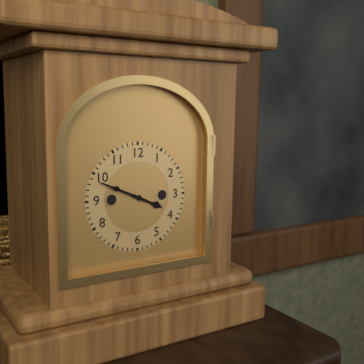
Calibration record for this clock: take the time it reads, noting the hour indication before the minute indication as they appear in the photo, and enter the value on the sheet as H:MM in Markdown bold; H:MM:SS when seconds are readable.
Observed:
**3:49**
